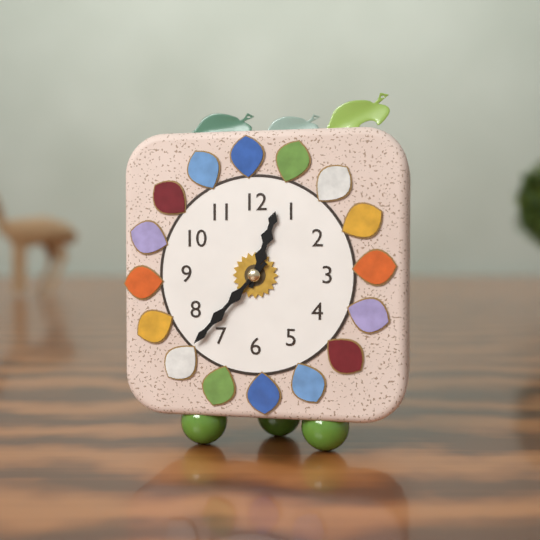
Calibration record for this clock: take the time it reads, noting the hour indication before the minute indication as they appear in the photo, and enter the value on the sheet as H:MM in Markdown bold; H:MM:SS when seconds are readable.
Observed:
**12:37**
